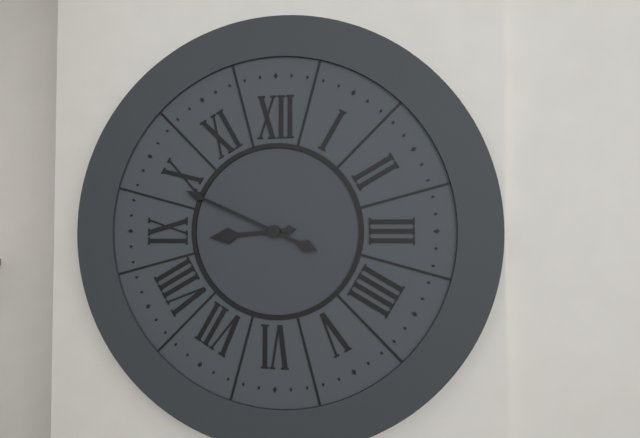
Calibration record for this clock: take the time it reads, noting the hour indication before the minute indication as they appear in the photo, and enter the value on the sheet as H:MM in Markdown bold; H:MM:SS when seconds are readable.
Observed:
**8:49**
